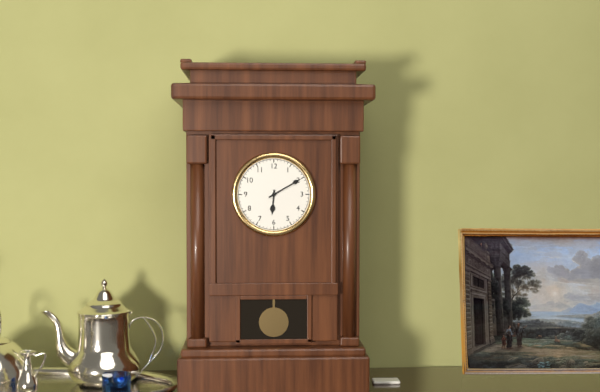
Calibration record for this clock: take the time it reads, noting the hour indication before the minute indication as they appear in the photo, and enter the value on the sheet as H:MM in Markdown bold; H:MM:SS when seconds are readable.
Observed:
**6:10**
